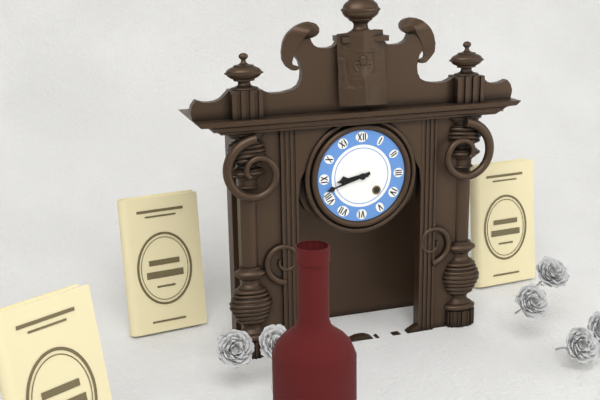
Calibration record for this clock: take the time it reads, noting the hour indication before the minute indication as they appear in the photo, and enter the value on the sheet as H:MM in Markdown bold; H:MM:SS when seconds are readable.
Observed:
**8:42**
